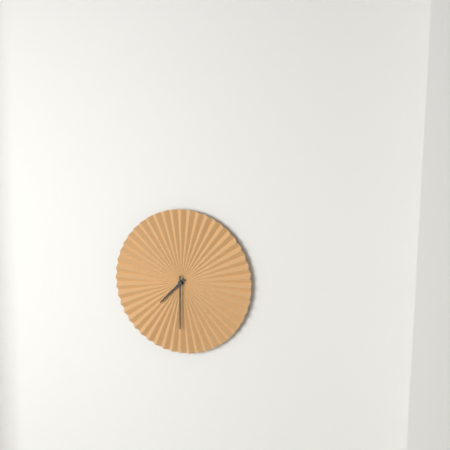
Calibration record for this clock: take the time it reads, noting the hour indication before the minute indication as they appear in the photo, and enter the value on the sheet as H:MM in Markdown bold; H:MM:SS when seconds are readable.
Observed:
**7:30**
